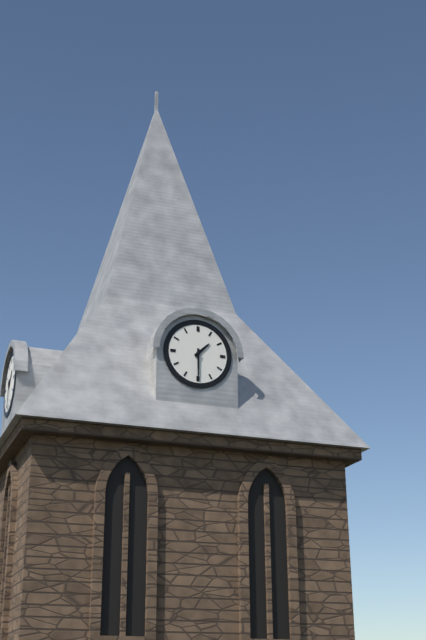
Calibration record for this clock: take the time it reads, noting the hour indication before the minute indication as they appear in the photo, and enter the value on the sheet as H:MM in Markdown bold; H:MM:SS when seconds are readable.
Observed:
**1:30**
